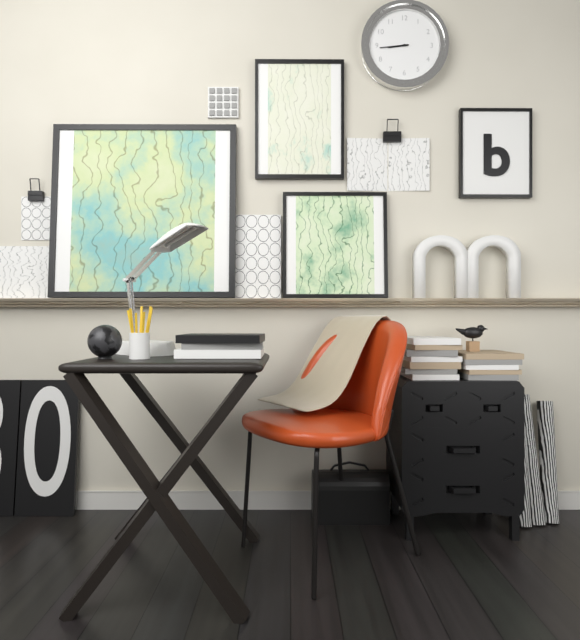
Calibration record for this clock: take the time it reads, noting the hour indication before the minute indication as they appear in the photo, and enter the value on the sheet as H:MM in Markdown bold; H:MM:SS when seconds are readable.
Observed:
**8:44**
